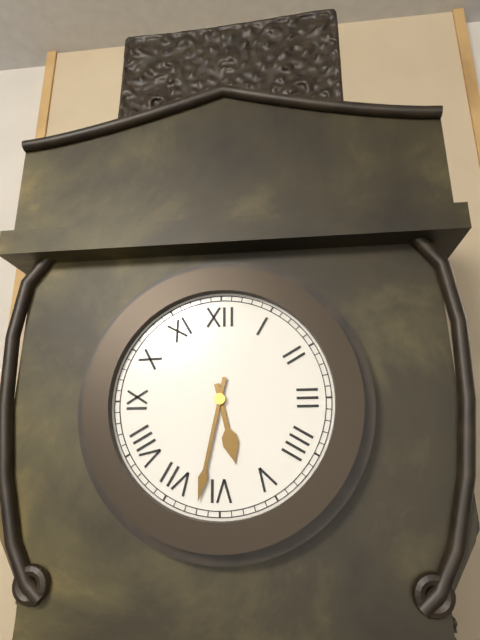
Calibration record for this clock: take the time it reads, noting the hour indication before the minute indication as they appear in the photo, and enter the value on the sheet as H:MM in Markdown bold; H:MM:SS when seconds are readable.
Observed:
**5:32**
